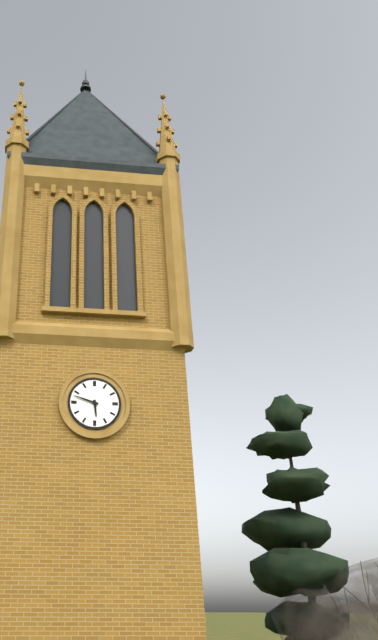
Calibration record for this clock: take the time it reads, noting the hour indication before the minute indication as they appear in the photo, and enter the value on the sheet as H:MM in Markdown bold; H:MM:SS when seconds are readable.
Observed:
**5:48**
